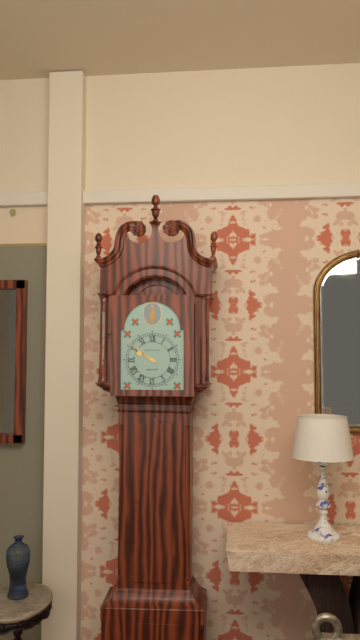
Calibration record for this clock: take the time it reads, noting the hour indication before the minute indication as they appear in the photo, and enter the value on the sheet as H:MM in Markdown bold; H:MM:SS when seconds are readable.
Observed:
**9:51**
